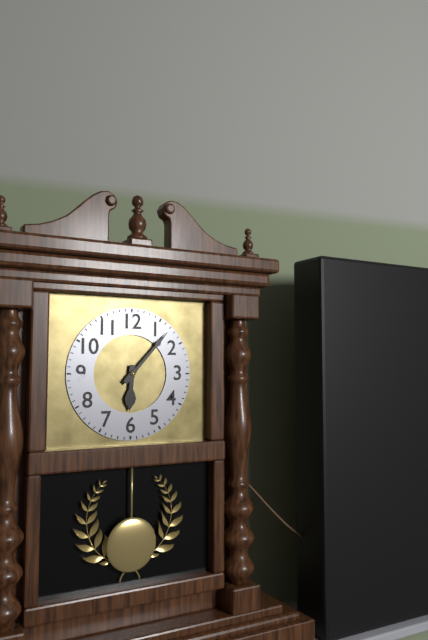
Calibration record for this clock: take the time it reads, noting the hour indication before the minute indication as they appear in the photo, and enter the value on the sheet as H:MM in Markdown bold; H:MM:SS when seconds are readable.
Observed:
**6:07**
